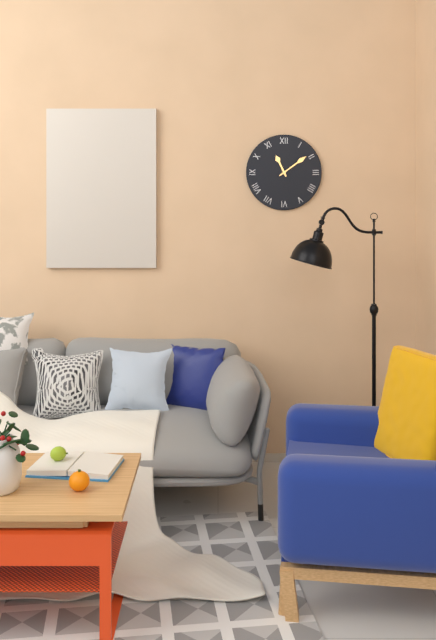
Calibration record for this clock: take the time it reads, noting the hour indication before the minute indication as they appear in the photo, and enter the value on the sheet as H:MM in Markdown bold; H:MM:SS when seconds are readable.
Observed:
**11:09**
